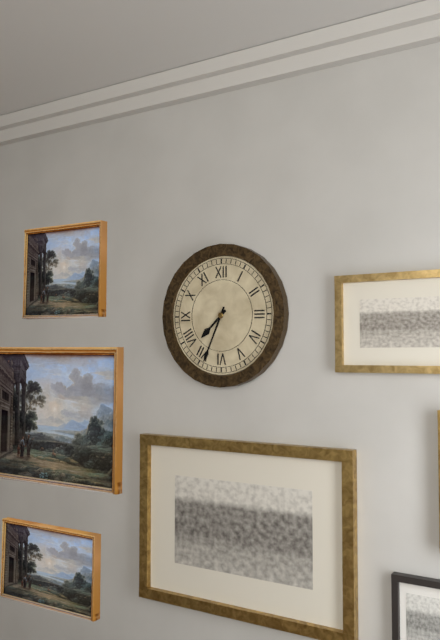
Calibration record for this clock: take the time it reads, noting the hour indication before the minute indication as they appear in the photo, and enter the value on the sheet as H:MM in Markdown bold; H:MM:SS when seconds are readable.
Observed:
**7:34**
